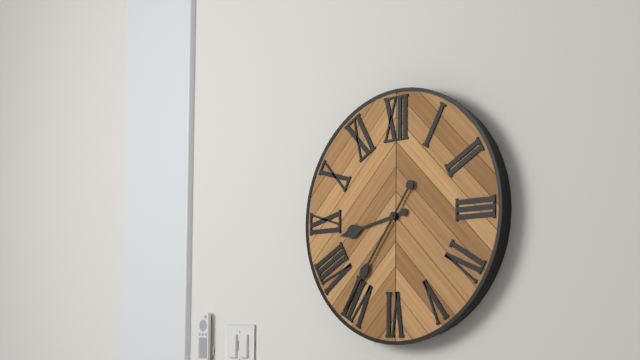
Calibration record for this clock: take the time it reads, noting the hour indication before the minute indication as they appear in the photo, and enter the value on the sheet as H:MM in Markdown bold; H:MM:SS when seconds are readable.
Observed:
**8:36**
